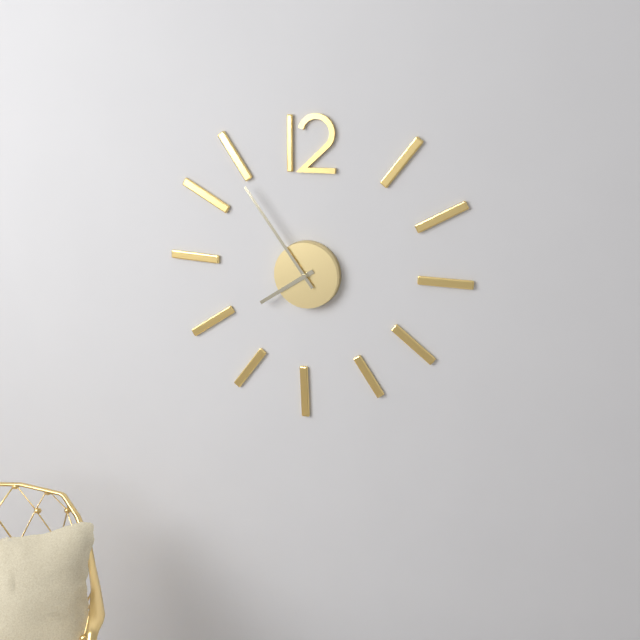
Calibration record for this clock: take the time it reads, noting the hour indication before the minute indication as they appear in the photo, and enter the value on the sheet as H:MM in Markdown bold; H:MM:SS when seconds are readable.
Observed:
**7:54**
